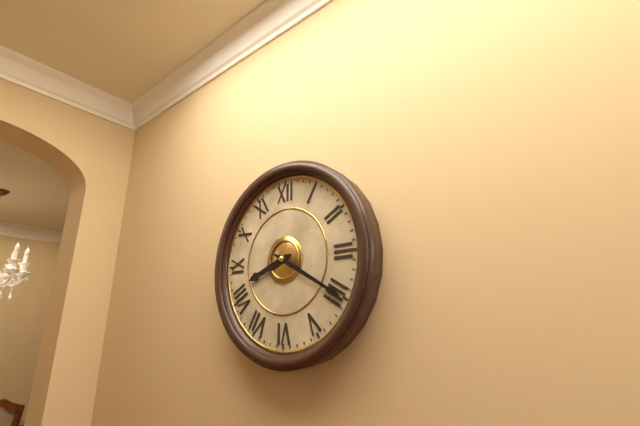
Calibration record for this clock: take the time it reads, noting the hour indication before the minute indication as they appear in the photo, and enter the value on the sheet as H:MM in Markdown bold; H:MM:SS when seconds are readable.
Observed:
**8:20**
